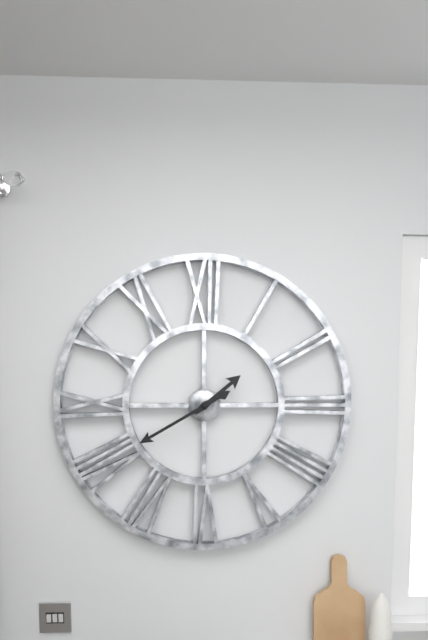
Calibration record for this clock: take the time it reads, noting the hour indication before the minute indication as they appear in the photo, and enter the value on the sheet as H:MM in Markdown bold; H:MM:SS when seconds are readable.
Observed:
**1:40**
